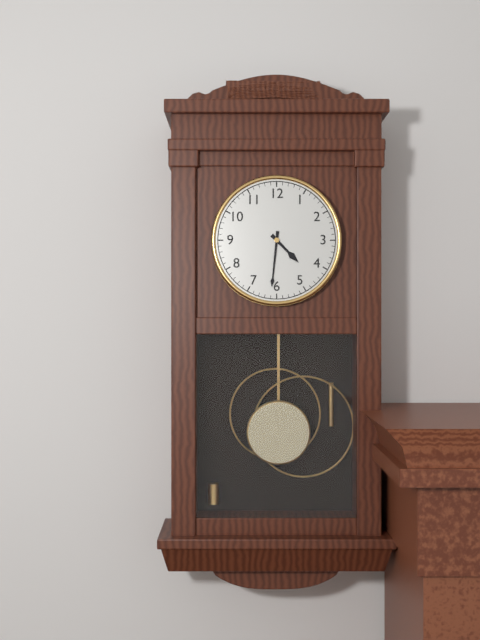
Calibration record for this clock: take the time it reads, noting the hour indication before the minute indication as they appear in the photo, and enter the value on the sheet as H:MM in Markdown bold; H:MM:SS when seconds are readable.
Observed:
**4:31**
